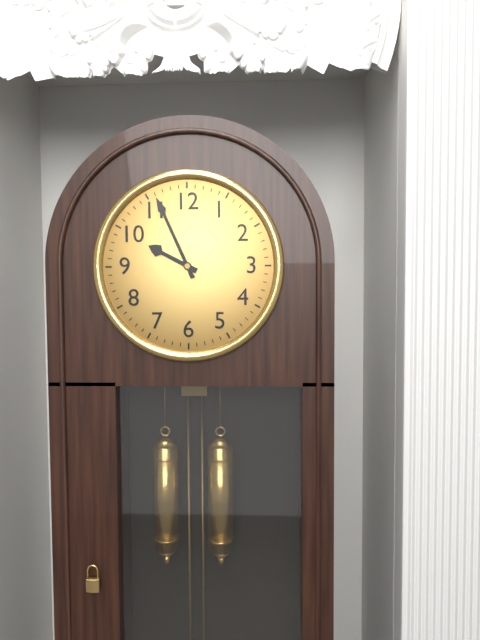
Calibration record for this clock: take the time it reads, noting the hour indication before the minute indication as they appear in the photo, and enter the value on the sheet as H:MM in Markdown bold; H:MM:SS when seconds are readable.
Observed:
**9:56**
